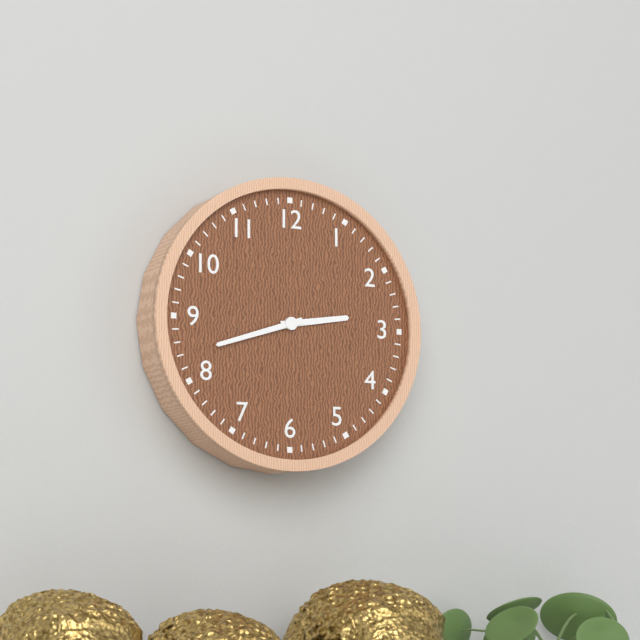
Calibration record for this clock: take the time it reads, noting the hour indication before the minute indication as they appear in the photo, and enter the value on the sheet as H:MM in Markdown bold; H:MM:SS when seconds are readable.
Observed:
**2:42**
